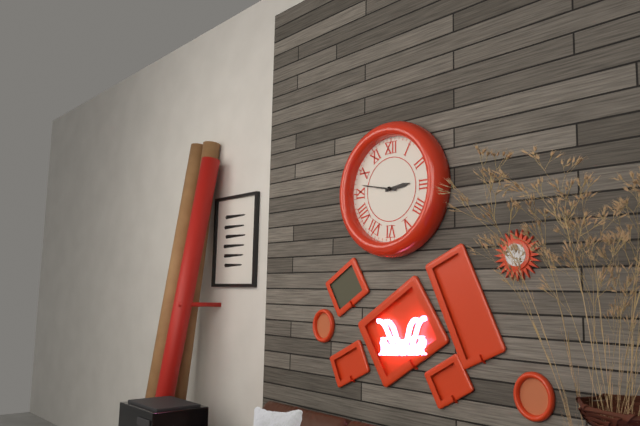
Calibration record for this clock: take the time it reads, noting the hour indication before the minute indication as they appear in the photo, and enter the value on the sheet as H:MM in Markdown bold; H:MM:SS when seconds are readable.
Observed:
**2:47**
